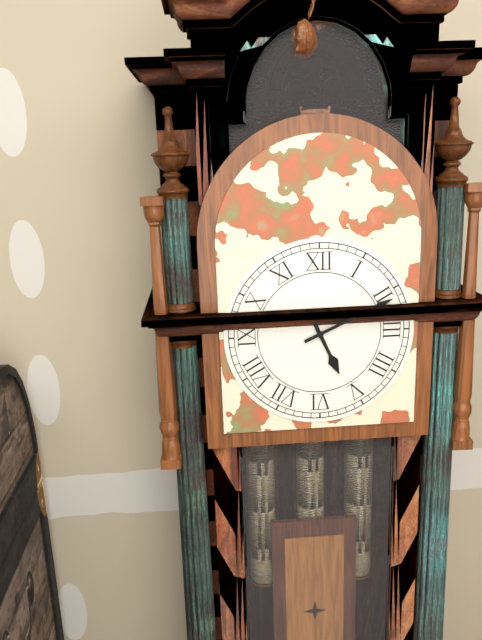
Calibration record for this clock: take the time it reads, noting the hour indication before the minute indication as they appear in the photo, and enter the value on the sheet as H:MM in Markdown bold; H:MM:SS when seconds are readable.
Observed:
**5:11**
